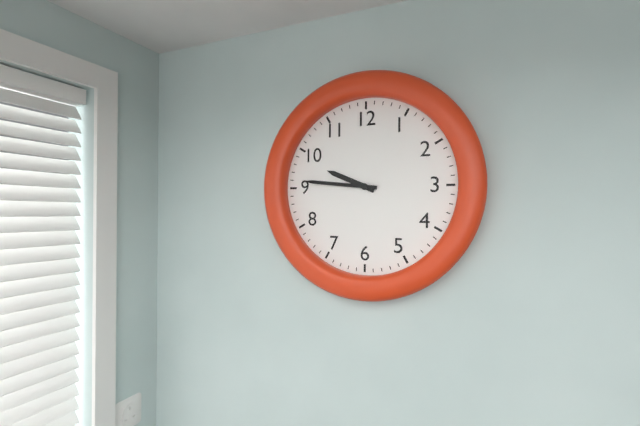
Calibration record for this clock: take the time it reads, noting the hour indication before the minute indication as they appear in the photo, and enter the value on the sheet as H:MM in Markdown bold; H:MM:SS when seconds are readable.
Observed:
**9:46**
